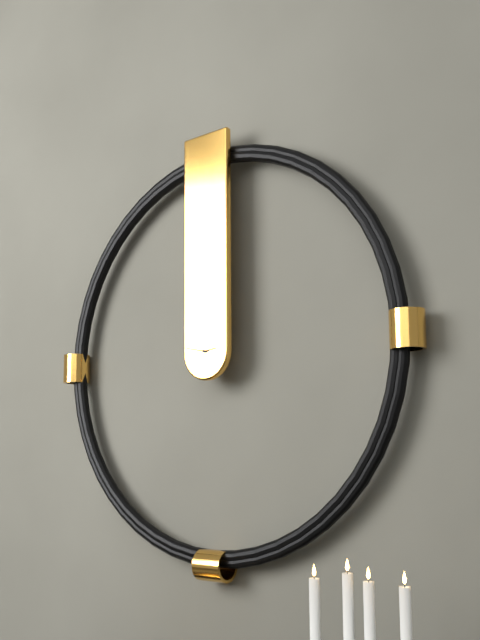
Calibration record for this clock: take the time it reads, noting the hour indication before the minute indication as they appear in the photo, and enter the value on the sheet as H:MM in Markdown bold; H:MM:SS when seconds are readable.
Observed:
**2:47**
